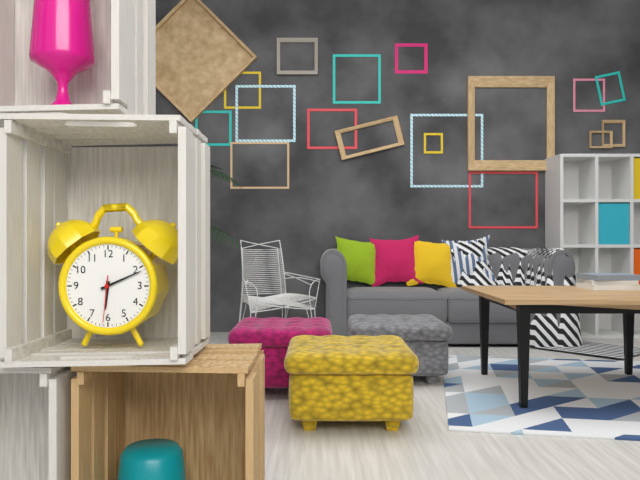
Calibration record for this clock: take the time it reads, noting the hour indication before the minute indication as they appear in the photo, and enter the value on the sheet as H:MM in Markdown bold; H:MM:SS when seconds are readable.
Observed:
**6:11**
